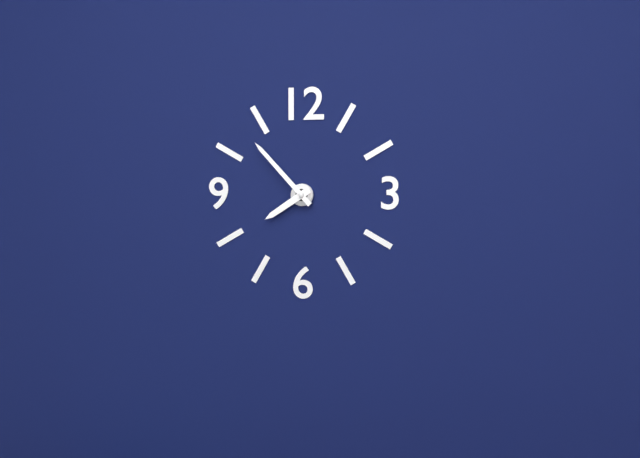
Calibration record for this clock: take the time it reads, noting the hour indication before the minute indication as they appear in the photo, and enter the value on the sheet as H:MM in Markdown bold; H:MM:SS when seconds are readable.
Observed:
**7:53**
